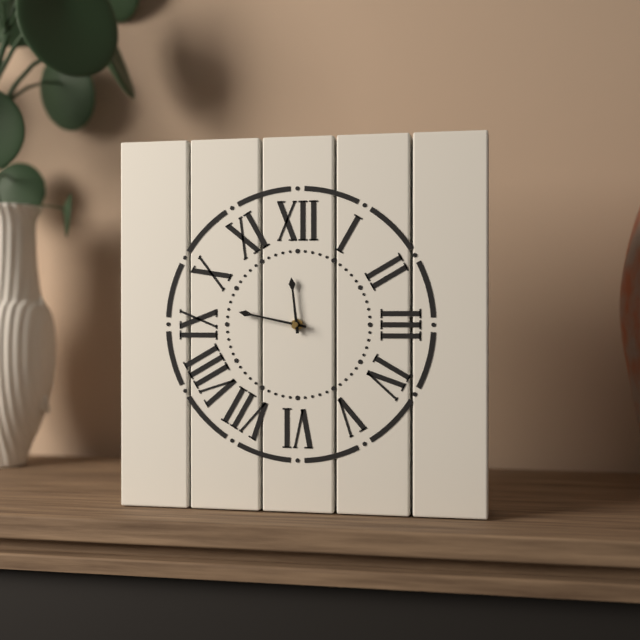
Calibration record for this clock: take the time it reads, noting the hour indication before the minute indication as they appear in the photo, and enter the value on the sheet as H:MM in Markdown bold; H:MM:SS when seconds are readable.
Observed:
**11:47**
